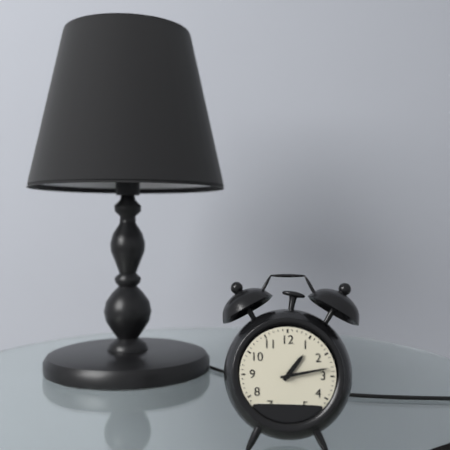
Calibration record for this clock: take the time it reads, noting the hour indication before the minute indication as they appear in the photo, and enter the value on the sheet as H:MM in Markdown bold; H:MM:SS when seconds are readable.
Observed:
**1:13**
